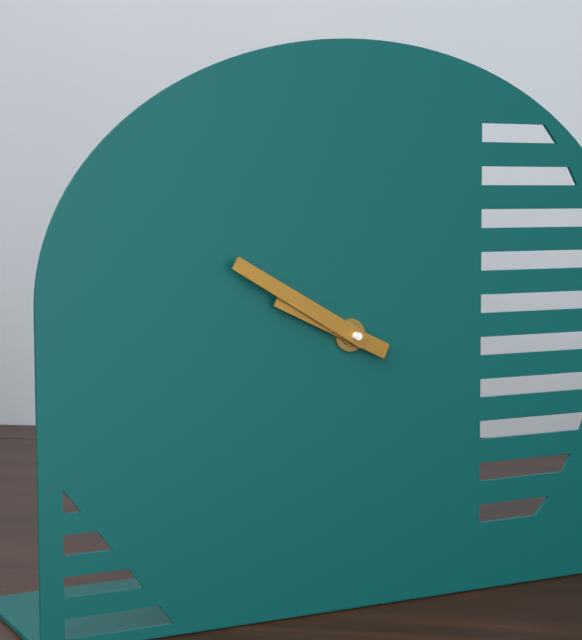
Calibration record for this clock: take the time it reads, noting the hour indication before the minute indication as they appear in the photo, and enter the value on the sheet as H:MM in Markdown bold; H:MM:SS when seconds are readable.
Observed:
**9:50**
